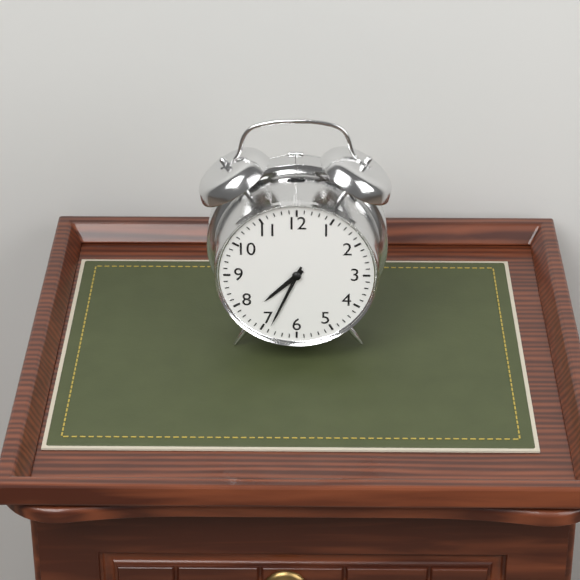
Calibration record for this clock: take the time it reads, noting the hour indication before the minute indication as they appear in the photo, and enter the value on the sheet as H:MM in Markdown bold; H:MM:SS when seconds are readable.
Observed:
**7:34**
